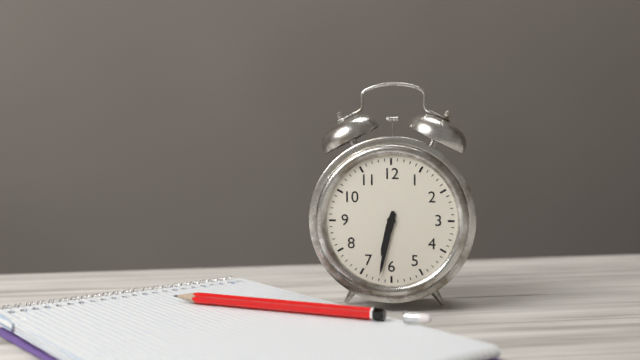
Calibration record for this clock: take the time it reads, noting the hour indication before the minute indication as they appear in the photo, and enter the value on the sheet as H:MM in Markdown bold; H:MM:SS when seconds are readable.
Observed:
**6:32**
